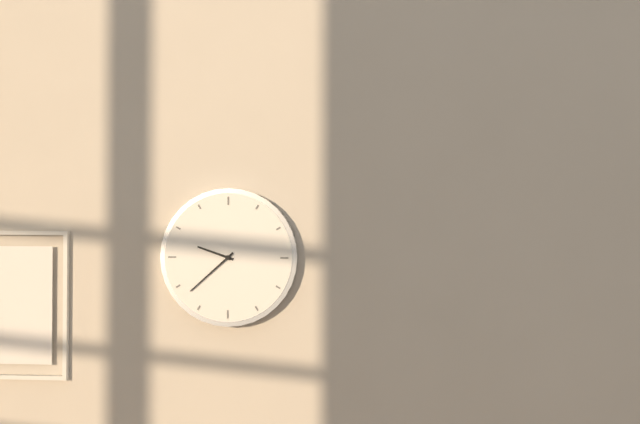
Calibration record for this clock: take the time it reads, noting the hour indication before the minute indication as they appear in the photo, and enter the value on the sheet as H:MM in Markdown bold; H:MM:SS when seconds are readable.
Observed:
**9:38**
